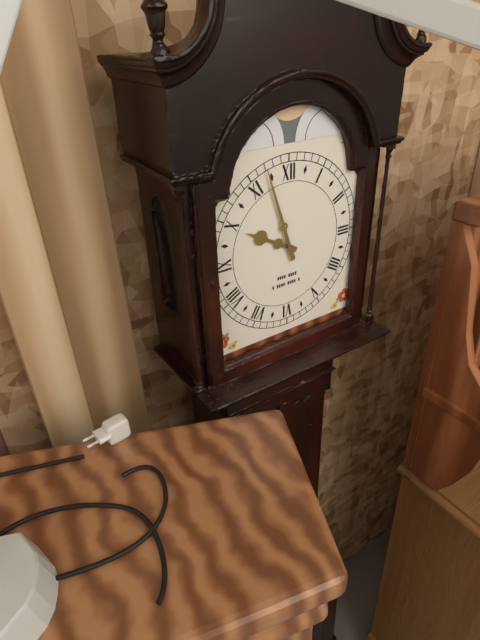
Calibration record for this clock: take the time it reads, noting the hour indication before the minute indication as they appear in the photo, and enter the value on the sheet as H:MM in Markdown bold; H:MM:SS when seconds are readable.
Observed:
**9:57**
